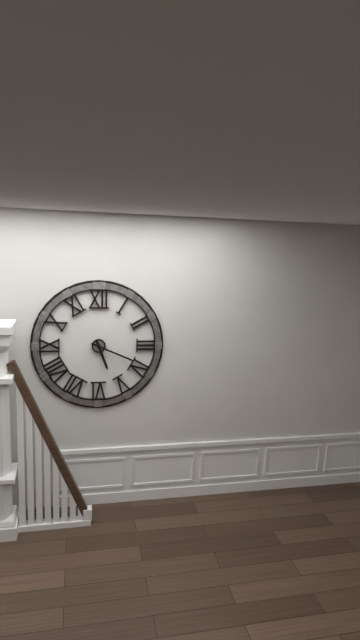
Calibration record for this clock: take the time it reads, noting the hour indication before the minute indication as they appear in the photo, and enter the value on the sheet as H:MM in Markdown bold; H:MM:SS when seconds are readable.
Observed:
**5:19**
